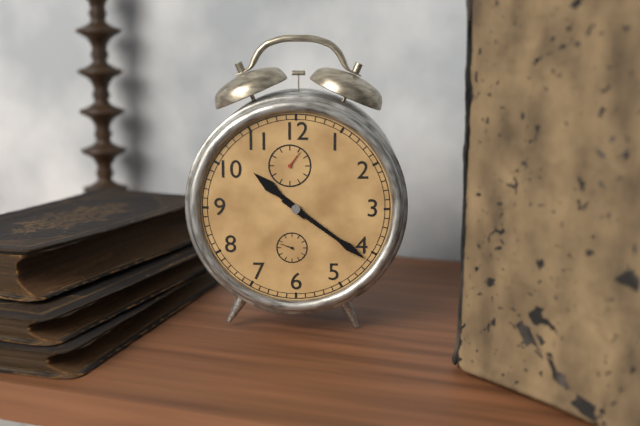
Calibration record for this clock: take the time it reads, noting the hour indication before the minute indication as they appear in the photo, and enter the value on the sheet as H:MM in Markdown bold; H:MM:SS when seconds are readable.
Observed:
**10:21**
